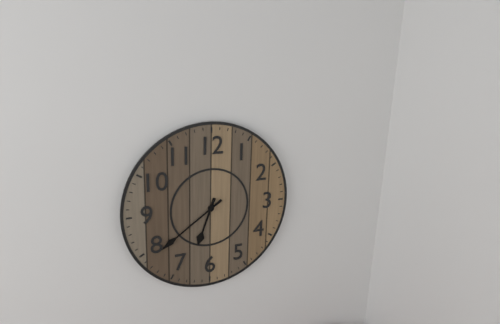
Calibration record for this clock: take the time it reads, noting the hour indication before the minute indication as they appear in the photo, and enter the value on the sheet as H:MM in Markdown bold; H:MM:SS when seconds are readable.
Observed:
**6:39**
